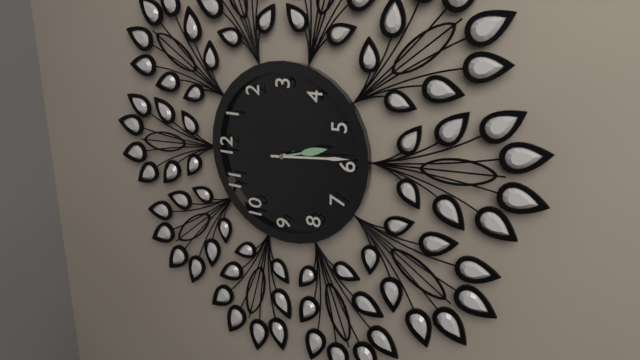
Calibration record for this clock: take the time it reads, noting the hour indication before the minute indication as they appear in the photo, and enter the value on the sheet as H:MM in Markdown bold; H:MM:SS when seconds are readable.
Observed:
**5:29**
